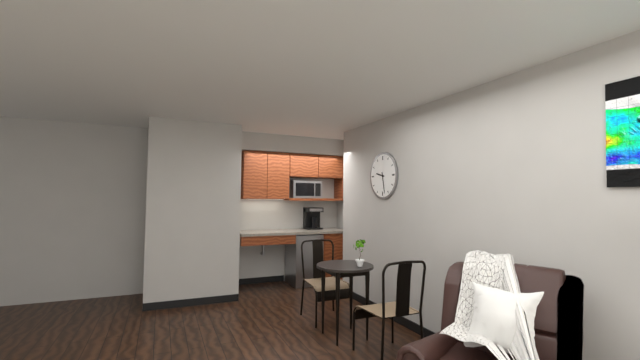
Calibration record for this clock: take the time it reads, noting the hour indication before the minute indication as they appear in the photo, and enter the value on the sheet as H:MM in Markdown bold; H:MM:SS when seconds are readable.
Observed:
**9:28**
